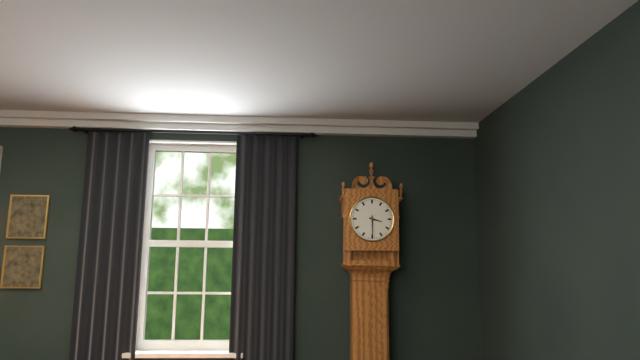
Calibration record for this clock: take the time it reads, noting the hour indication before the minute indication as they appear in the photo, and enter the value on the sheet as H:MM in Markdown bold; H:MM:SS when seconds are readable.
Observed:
**3:30**
